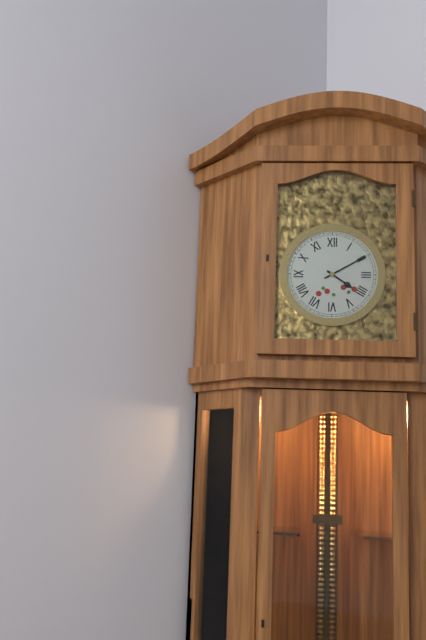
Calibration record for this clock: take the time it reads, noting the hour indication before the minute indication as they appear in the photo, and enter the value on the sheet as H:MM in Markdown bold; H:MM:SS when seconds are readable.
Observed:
**4:10**
